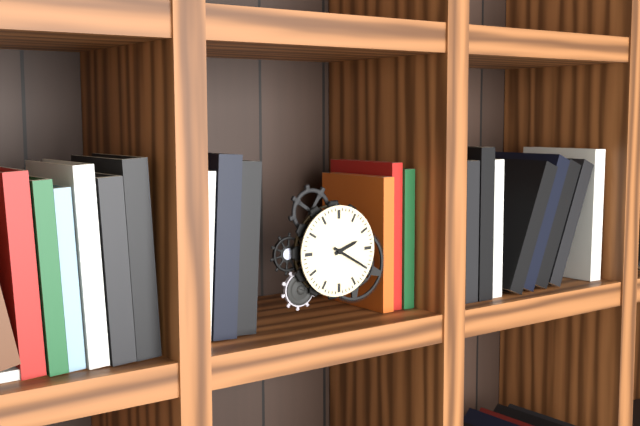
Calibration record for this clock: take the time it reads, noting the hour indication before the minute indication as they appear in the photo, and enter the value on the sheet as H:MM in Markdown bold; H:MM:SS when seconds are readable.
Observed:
**2:20**
